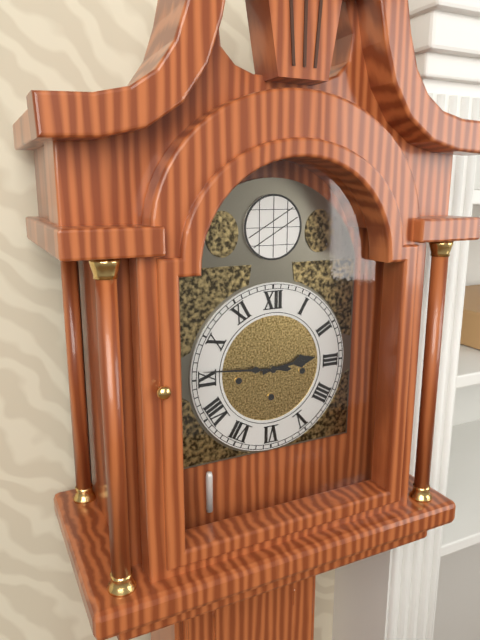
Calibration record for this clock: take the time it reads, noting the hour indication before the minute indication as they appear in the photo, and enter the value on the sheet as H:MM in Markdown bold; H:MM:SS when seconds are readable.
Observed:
**2:46**
